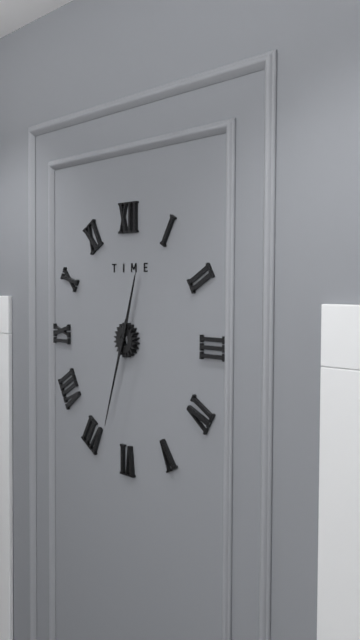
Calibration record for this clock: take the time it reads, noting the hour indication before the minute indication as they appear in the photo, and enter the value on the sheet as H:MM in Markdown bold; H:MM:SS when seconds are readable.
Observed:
**12:33**
